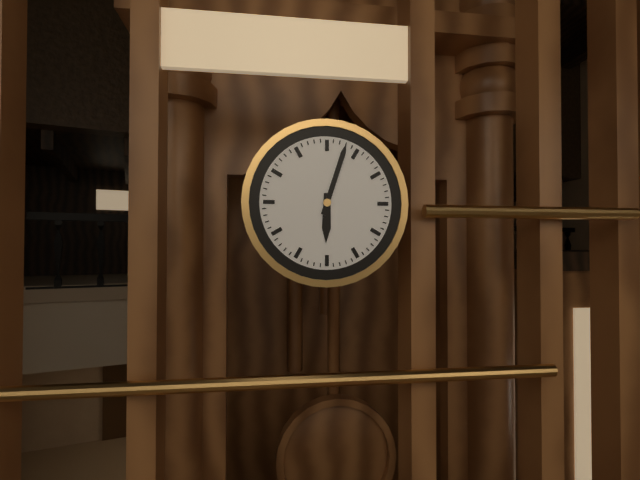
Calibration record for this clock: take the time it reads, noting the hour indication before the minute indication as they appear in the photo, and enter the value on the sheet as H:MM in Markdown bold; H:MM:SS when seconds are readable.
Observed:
**6:03**
